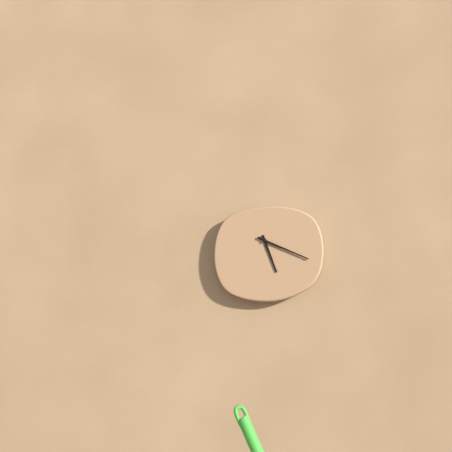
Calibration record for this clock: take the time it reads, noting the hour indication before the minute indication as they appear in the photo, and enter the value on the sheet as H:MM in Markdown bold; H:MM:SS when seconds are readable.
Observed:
**5:19**
